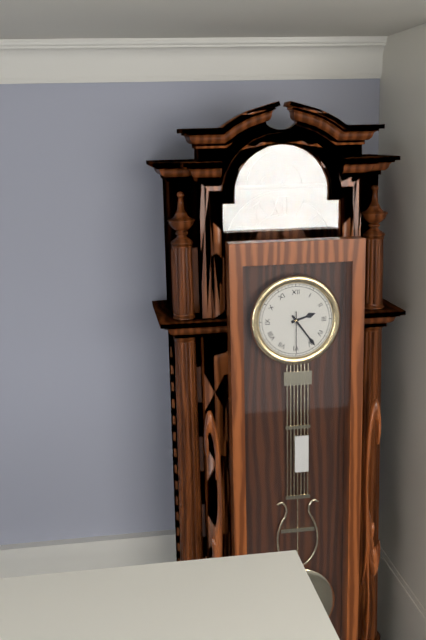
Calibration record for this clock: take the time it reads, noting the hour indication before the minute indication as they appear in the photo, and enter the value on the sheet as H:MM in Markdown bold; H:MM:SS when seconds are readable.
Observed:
**2:24**
